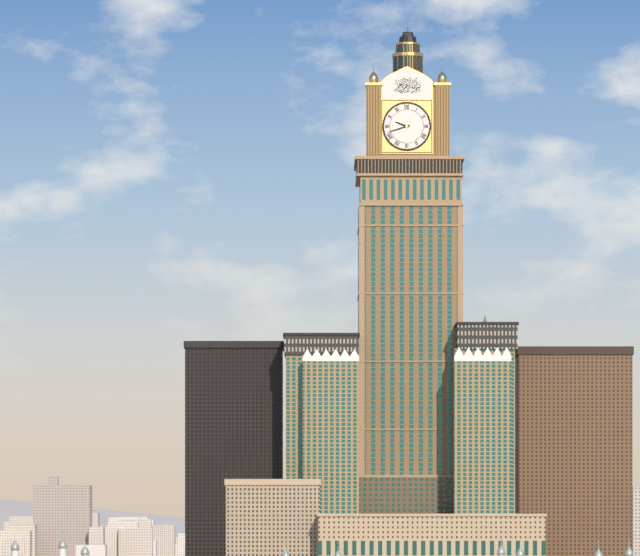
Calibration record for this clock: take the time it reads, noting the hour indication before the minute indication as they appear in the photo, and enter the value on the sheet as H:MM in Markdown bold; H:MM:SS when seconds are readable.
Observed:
**9:42**
